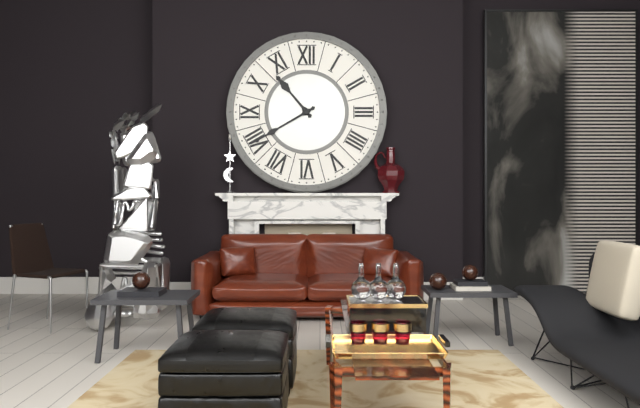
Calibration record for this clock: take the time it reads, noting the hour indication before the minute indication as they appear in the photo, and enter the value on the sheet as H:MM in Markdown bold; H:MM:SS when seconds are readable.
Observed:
**10:40**
